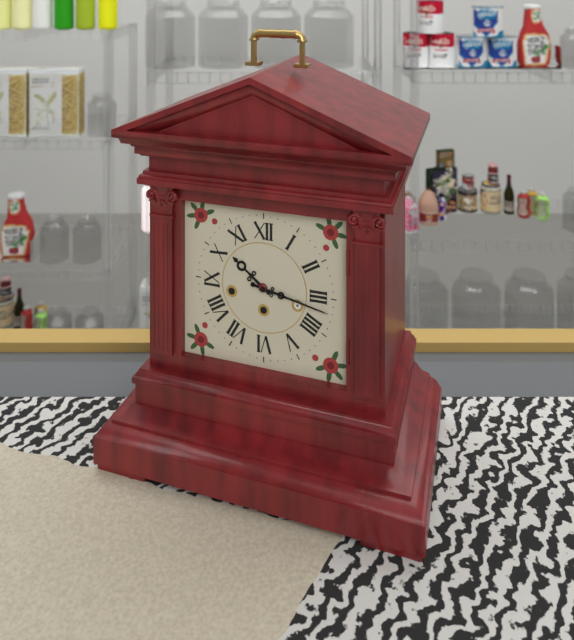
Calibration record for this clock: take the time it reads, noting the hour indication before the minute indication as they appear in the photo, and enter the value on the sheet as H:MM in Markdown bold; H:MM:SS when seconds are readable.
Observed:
**10:17**
